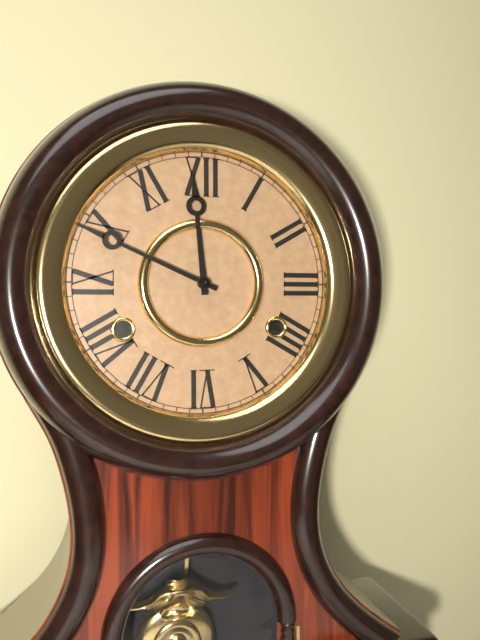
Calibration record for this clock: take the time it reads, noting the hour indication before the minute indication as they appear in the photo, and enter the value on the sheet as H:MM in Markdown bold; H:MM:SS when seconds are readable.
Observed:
**11:49**
